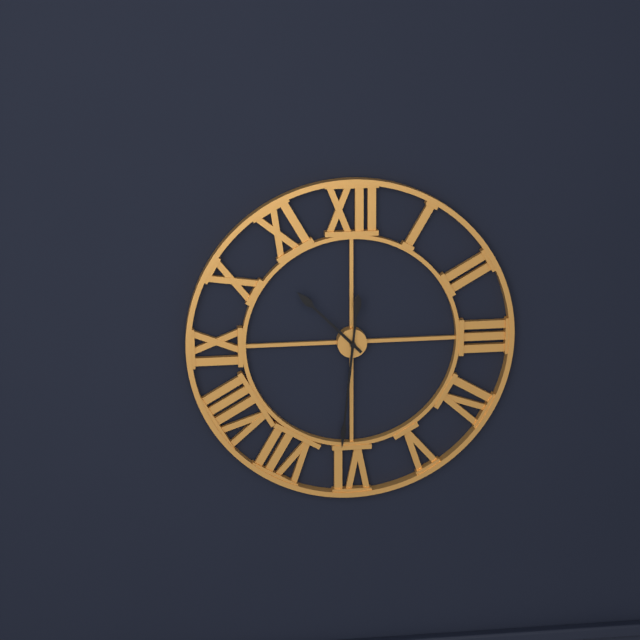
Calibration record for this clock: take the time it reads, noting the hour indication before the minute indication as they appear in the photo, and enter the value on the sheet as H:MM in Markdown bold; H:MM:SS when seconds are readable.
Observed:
**10:31**
